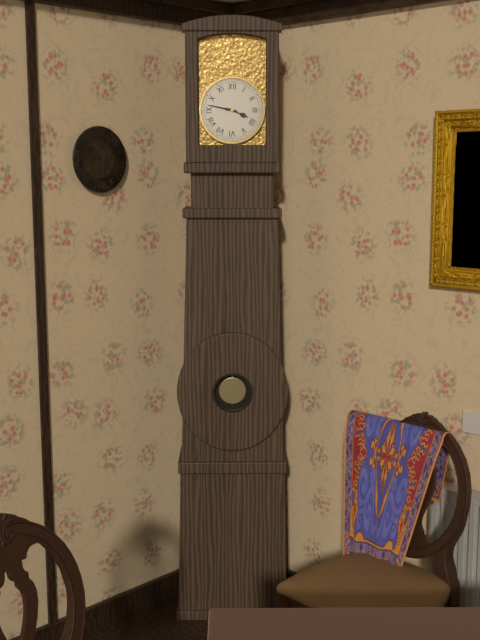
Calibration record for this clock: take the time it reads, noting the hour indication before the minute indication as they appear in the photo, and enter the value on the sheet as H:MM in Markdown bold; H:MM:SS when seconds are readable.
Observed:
**3:47**
